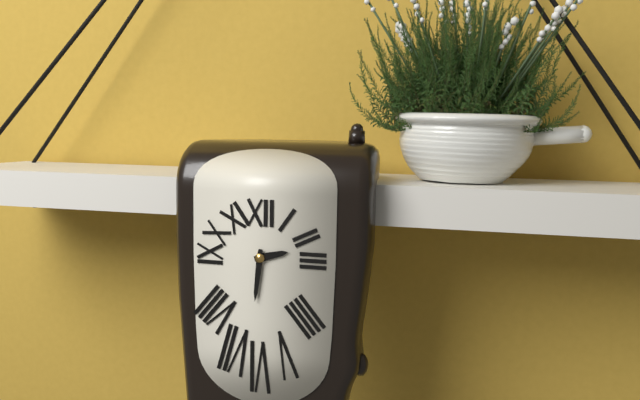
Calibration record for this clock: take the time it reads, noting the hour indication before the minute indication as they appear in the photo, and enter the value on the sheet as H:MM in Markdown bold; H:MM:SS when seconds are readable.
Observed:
**2:31**
